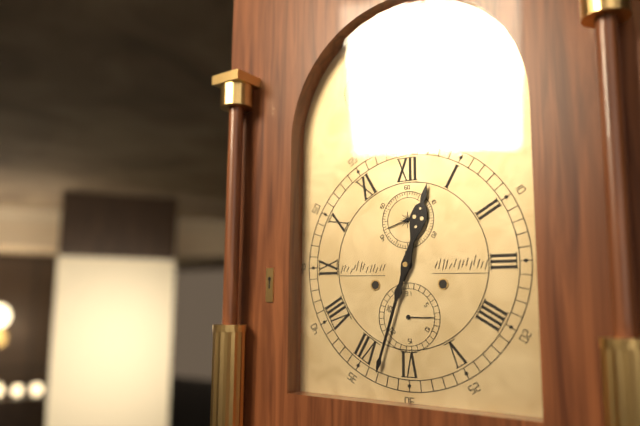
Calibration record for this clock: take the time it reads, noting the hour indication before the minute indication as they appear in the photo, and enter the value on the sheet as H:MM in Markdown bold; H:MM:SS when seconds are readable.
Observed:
**12:33**
